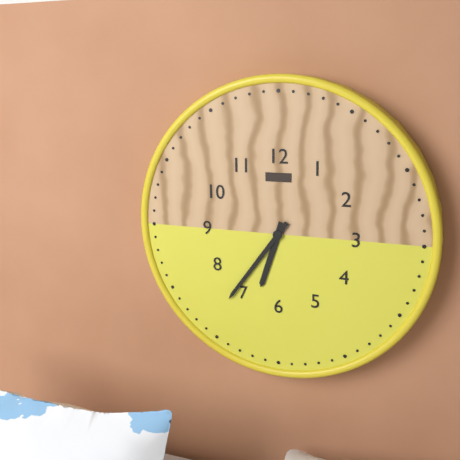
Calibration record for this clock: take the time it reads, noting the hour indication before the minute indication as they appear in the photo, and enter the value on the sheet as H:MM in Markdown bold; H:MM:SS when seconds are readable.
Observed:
**6:36**
